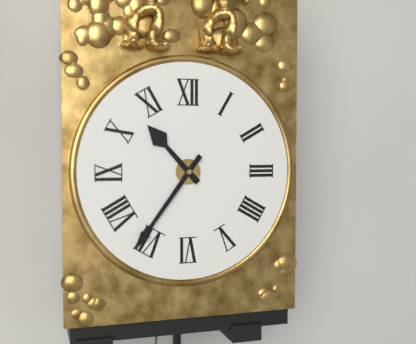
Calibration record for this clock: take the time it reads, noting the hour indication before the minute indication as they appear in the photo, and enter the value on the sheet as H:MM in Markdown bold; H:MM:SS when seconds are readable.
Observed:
**10:36**
